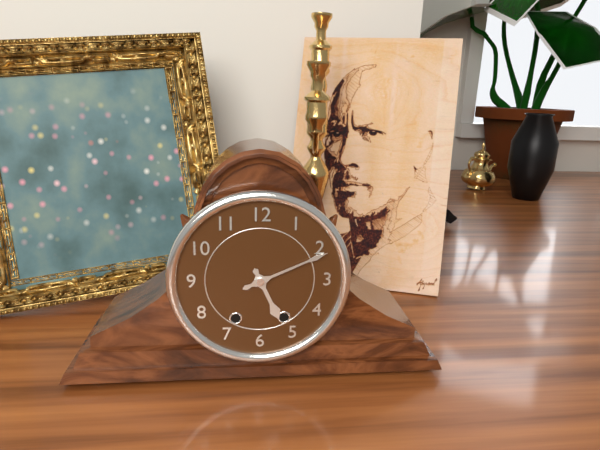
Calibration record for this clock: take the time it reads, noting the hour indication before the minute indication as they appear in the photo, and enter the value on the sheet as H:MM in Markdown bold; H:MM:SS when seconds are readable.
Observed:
**5:11**
